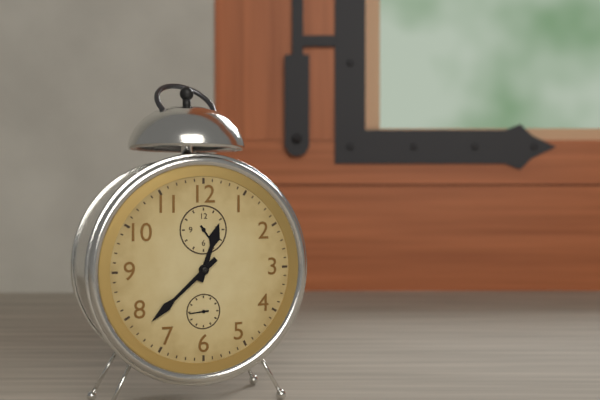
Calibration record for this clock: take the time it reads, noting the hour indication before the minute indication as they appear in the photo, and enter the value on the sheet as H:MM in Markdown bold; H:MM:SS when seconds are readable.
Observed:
**12:38**
